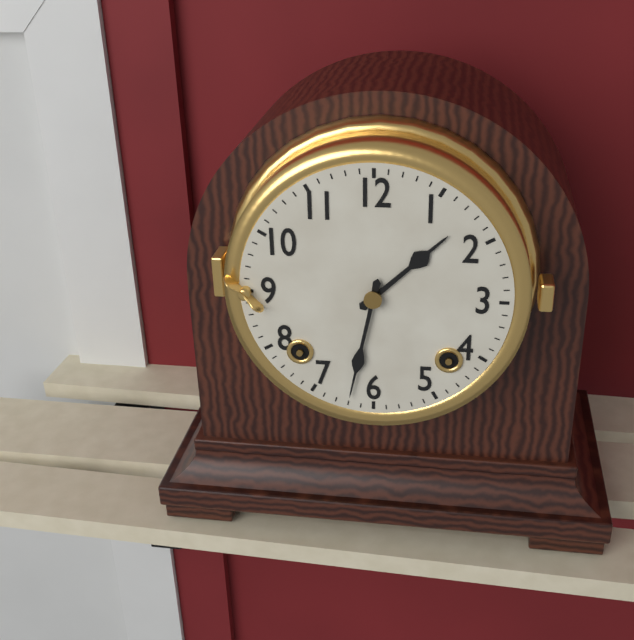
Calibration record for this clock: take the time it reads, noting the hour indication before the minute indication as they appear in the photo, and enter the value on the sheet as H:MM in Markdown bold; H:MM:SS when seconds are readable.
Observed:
**1:32**
